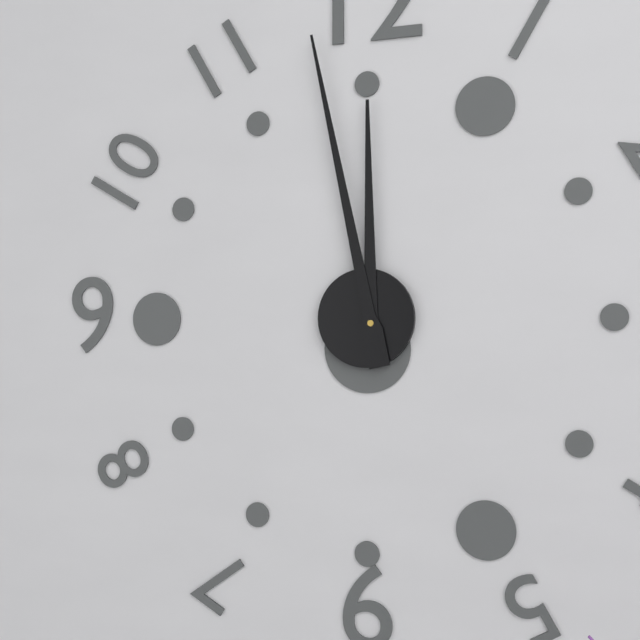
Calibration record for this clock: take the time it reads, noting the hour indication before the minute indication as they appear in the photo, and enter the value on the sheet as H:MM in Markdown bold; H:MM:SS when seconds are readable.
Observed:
**11:58**
